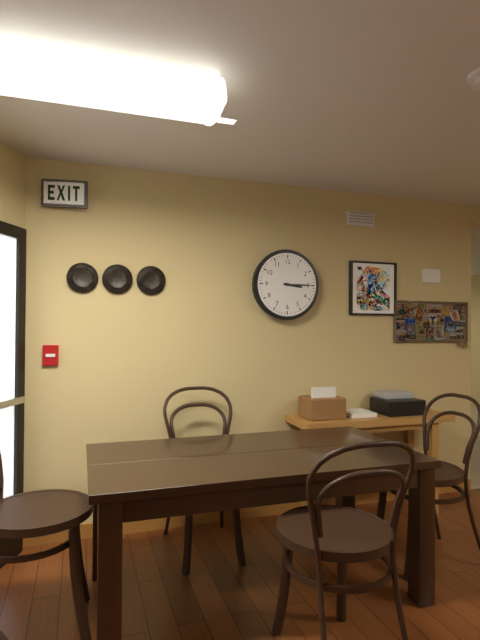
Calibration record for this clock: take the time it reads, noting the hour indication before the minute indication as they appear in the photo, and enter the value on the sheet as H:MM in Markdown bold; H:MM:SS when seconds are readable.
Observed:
**3:15**
